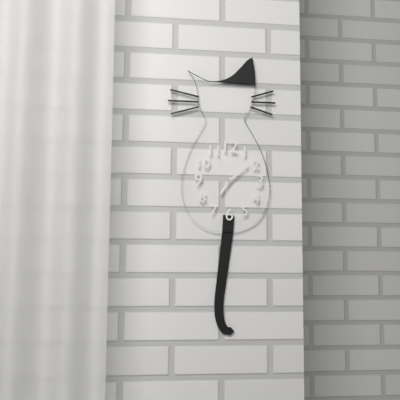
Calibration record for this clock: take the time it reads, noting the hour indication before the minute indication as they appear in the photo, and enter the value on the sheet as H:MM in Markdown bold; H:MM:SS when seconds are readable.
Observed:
**7:08**
